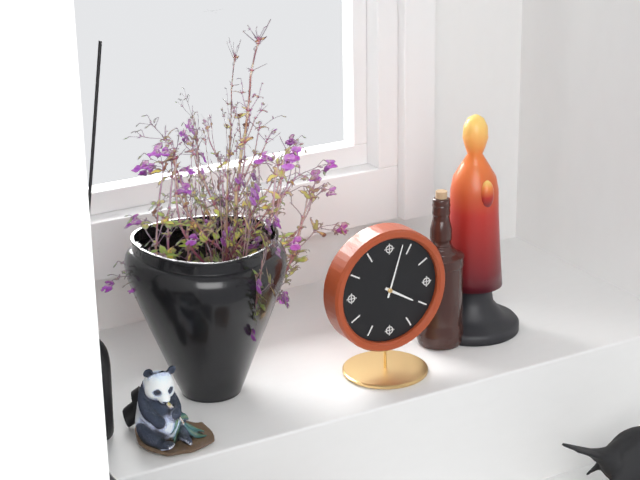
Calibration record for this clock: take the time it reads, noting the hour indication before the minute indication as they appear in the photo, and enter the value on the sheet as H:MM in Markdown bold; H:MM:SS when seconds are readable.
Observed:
**4:03**
